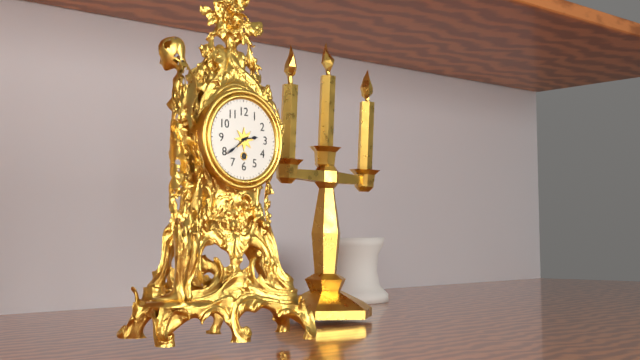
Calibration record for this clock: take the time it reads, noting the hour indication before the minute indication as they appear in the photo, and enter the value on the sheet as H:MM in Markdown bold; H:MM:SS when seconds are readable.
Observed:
**2:39**
